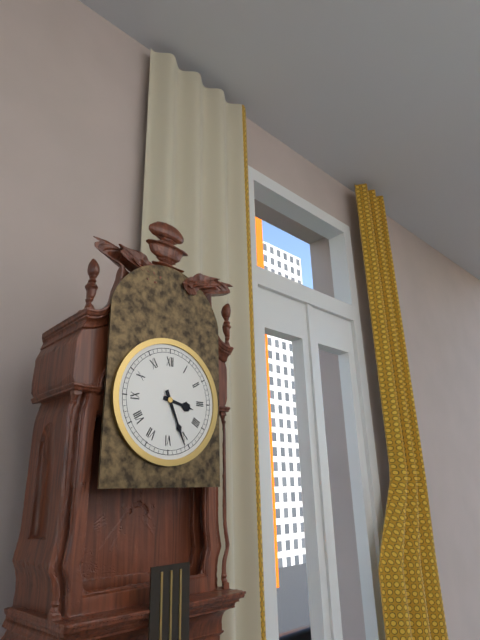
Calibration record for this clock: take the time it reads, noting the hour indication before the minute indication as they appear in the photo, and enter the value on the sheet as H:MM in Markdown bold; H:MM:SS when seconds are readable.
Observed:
**3:26**
